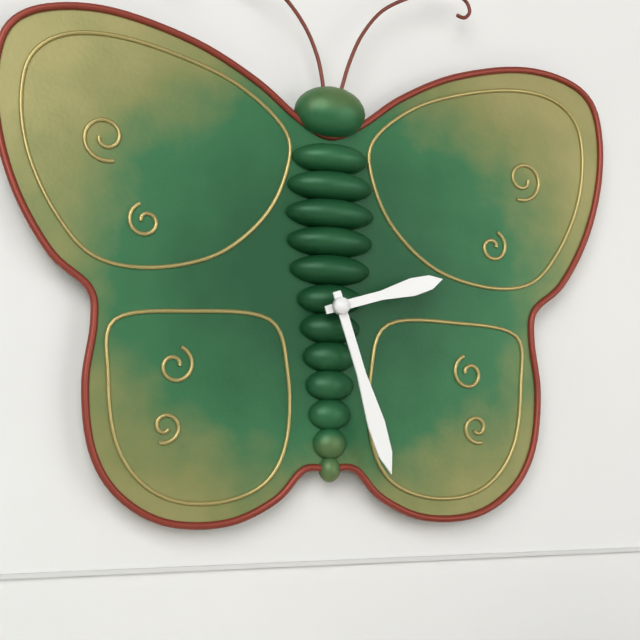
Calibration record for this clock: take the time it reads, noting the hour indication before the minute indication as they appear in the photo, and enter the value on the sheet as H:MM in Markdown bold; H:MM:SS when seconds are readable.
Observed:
**2:27**
